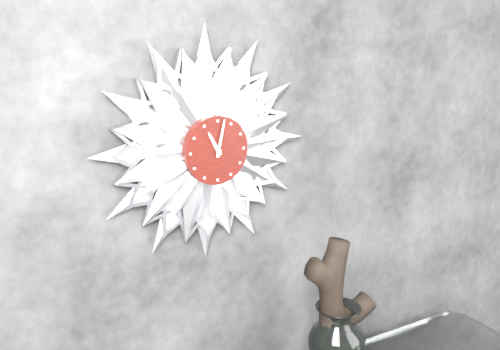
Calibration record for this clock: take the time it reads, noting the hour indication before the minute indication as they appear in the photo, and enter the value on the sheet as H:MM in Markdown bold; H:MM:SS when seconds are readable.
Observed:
**11:02**
